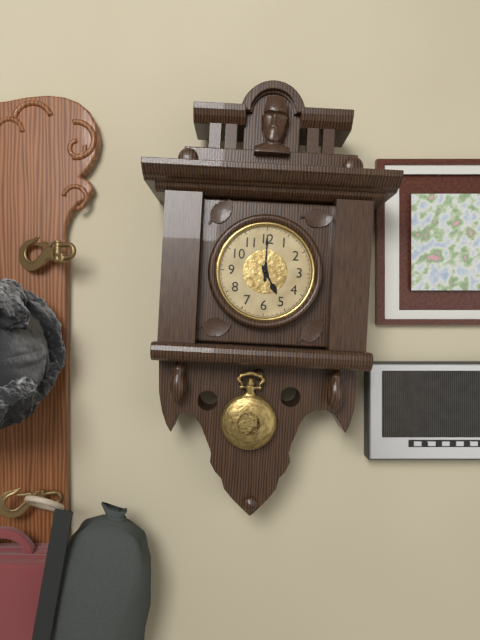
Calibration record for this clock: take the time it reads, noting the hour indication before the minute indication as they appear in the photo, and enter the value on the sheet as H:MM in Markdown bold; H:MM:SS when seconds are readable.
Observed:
**5:00**
